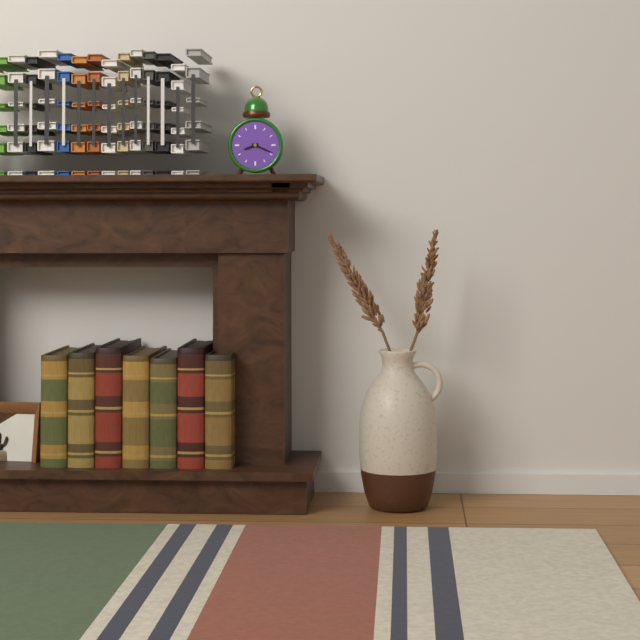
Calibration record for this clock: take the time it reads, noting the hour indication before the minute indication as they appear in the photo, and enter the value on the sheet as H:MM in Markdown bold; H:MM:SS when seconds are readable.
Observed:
**8:19**
